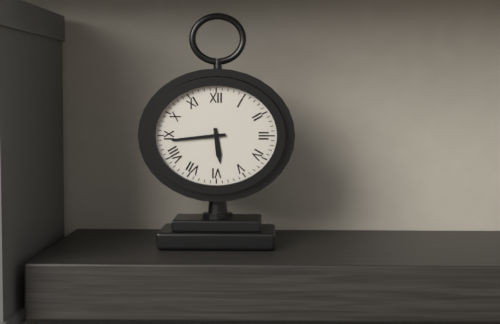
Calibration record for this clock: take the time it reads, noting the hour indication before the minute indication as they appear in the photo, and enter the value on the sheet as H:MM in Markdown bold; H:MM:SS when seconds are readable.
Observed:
**5:44**
